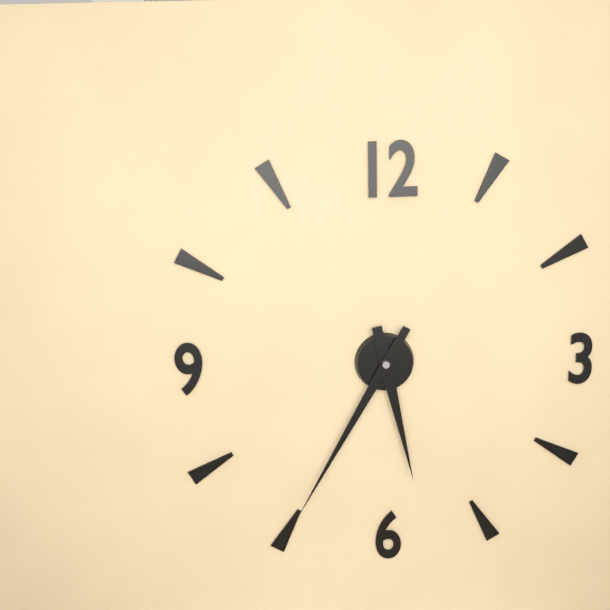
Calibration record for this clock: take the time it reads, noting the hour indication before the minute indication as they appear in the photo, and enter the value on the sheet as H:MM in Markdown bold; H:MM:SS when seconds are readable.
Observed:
**5:35**
